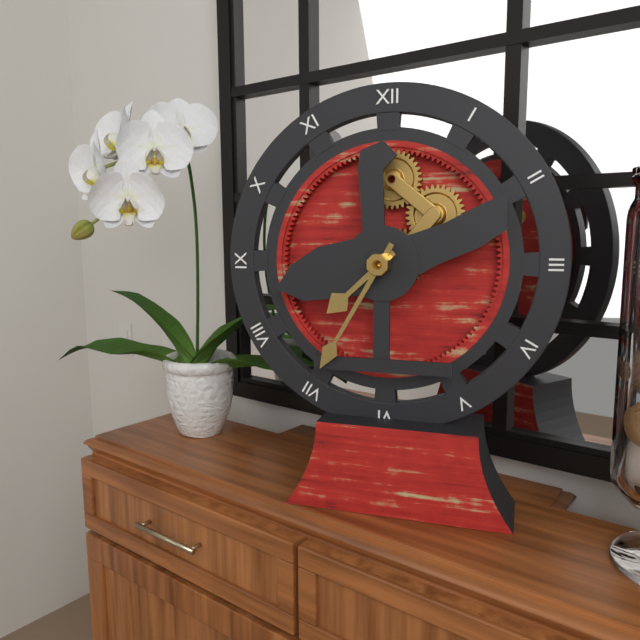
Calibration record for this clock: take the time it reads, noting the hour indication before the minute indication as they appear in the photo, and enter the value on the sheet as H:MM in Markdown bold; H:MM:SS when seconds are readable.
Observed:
**7:35**
